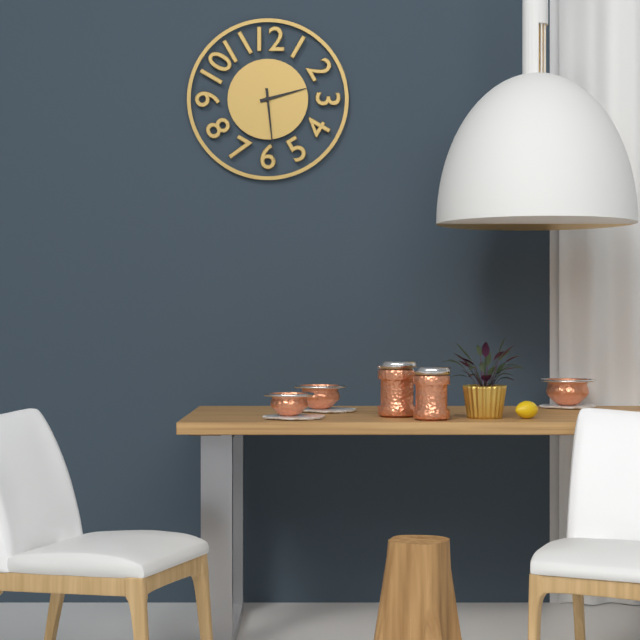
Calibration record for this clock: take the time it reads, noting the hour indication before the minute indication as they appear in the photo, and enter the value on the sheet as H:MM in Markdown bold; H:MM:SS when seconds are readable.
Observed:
**2:29**
